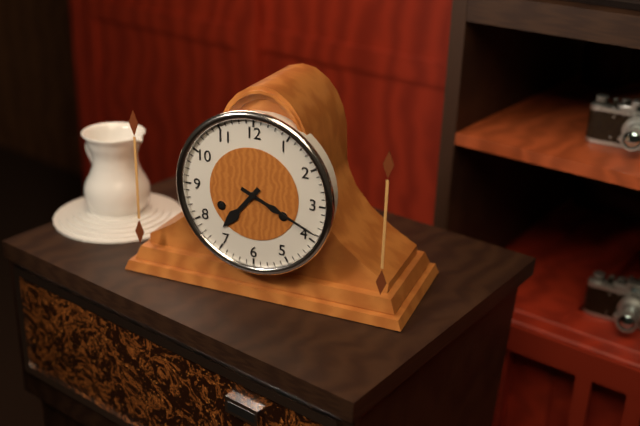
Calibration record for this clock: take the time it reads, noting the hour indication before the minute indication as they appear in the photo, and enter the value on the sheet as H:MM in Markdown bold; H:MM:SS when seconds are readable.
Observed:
**7:19**
